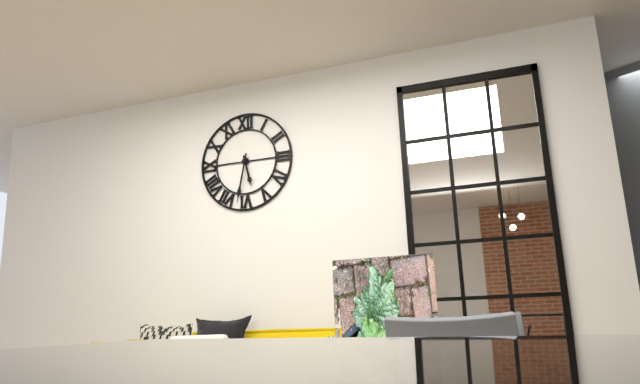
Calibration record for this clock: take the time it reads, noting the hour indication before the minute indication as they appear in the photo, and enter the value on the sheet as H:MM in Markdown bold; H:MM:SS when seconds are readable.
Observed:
**5:32**
